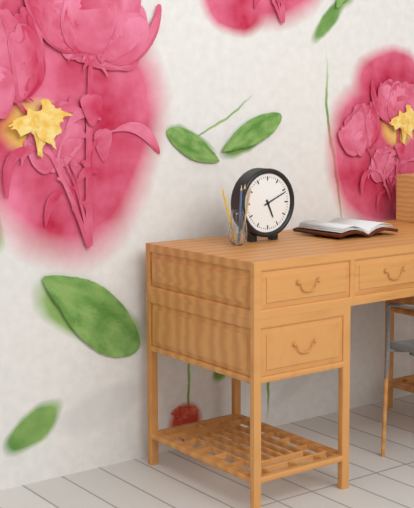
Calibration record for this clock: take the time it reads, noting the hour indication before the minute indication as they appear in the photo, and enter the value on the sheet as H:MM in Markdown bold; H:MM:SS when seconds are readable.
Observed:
**5:11**
